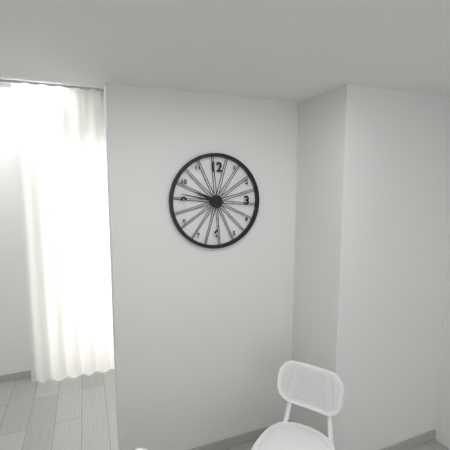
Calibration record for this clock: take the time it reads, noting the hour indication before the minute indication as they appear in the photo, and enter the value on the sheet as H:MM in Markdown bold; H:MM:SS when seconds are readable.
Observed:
**9:47**
